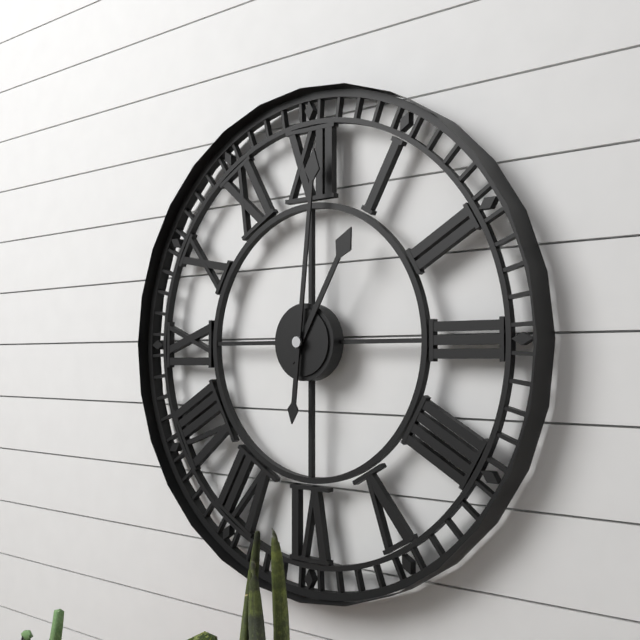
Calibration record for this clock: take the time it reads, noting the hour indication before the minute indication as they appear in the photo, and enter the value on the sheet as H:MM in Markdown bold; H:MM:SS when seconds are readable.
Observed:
**1:01**
